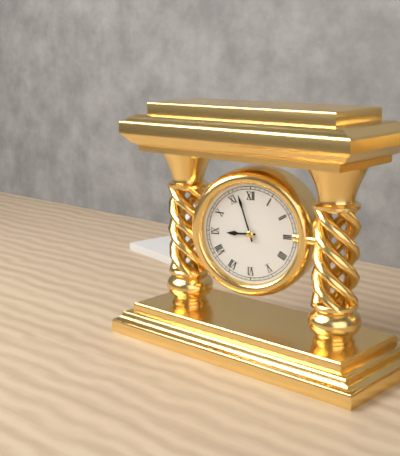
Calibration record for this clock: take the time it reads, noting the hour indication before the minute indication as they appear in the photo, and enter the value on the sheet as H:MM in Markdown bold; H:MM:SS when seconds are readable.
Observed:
**8:57**
